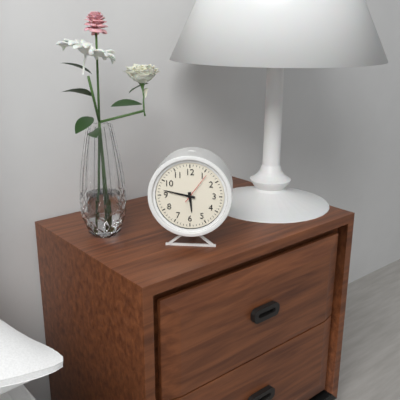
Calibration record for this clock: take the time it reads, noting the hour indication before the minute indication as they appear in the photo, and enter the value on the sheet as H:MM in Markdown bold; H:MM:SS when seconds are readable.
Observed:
**5:47**
